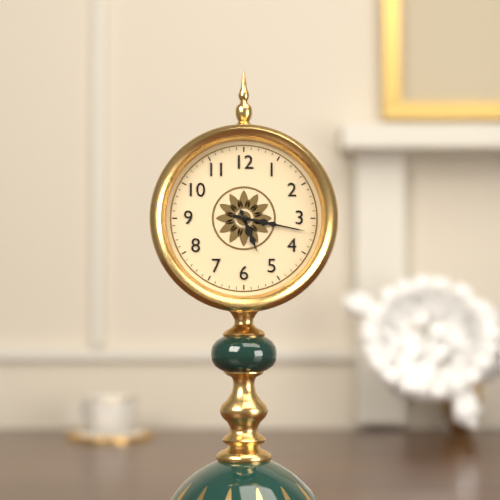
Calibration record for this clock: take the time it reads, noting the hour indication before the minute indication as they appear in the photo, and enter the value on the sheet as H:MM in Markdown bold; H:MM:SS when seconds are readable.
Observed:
**5:17**
